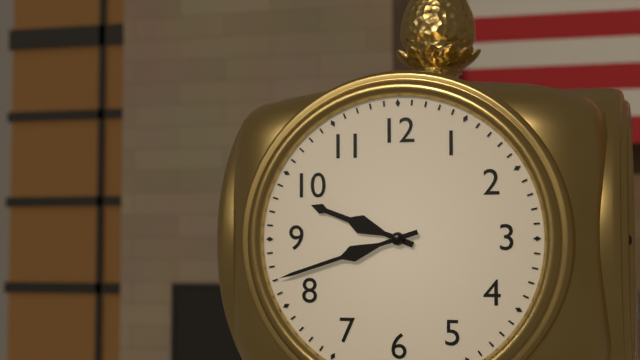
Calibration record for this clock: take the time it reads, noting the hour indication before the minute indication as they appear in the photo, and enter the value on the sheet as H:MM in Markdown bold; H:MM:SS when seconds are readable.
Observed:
**9:42**
